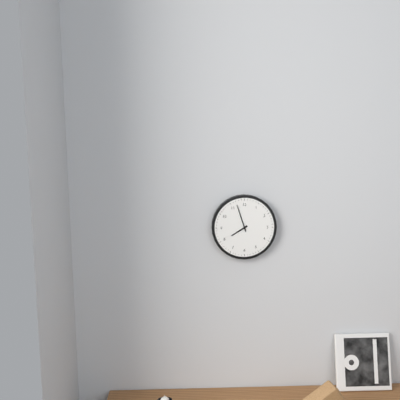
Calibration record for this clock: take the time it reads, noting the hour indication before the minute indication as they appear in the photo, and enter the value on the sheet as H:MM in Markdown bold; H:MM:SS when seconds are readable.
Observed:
**7:57**
